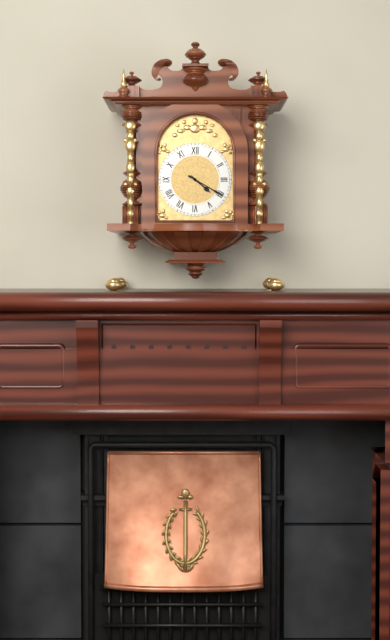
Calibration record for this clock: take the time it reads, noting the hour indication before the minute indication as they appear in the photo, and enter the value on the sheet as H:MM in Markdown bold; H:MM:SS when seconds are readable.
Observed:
**4:20**
